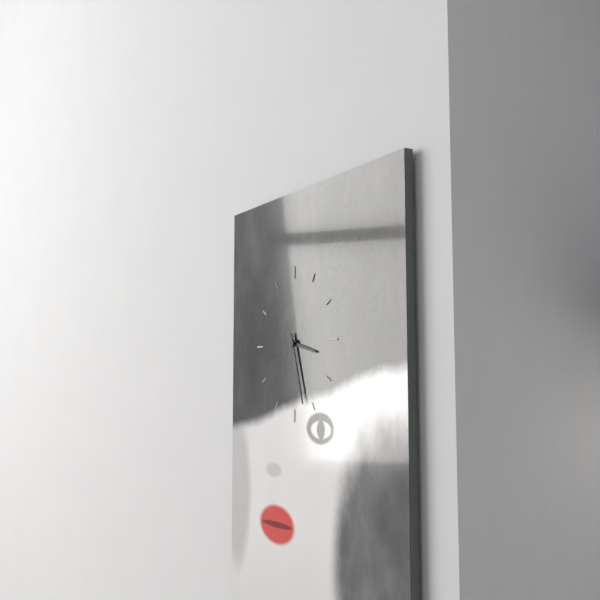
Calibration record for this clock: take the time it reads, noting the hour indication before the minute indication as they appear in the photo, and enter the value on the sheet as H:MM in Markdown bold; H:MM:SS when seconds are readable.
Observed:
**3:27**
